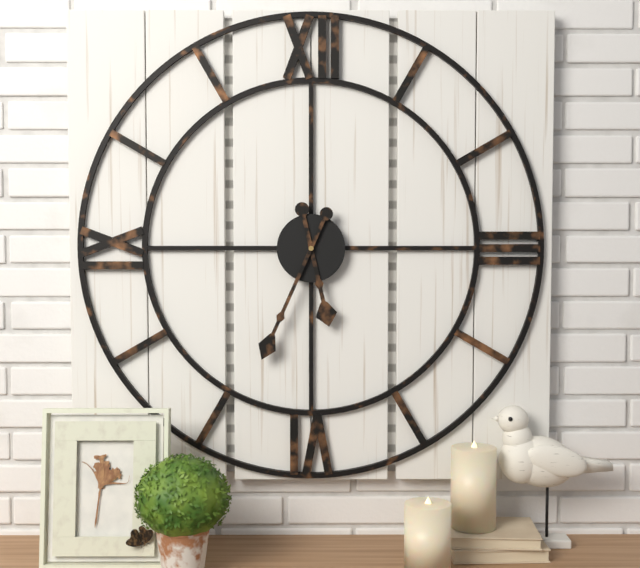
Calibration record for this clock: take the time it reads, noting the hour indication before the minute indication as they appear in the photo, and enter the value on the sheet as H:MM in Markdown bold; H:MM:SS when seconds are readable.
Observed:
**5:34**
